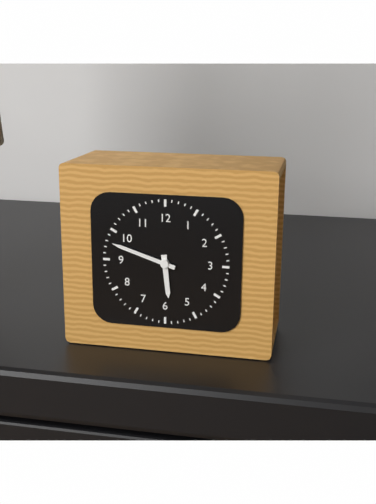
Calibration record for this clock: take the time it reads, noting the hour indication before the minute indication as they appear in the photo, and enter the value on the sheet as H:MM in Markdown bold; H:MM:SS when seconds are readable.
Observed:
**5:48**
